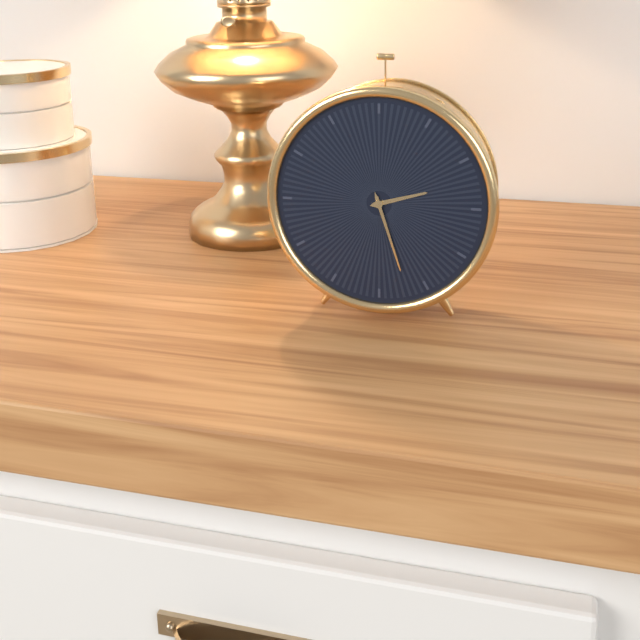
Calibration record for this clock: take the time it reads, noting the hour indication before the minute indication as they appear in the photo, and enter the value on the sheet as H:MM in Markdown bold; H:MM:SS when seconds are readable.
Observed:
**2:27**
